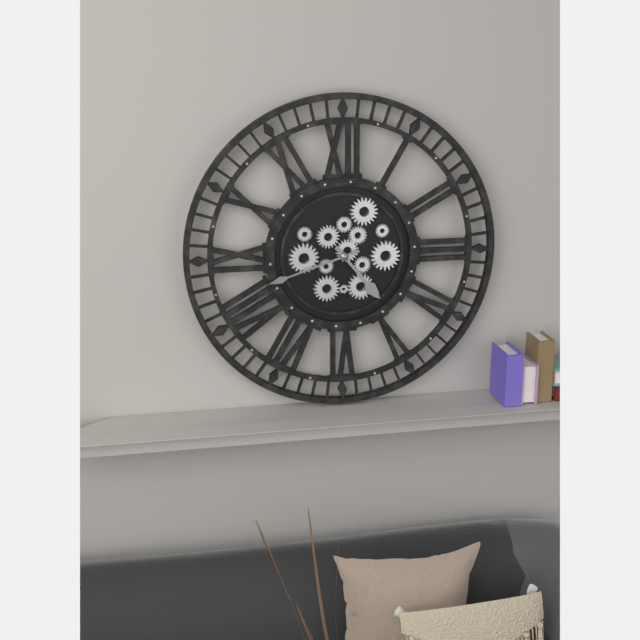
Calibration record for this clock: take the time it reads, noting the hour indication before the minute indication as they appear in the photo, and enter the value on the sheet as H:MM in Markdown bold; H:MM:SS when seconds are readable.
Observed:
**4:42**
